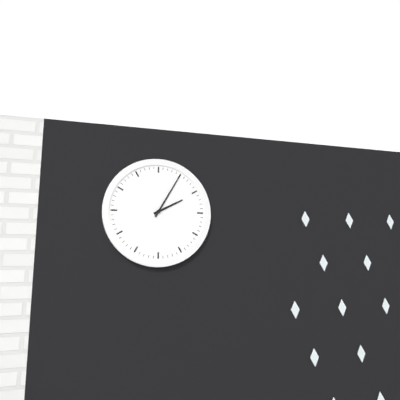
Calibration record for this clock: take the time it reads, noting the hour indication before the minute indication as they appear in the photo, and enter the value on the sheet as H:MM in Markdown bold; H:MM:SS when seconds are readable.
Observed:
**2:05**
